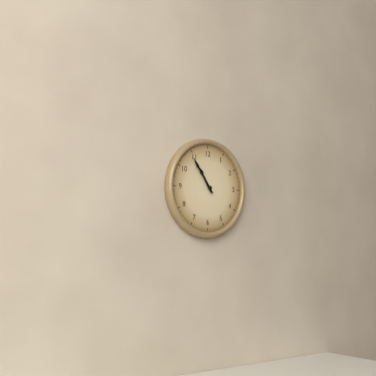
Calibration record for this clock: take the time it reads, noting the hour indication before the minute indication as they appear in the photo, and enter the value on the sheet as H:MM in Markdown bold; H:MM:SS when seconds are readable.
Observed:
**10:54**
